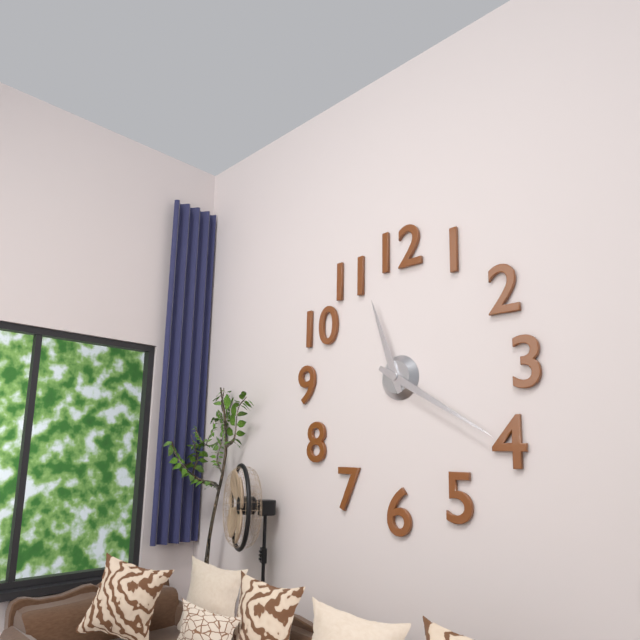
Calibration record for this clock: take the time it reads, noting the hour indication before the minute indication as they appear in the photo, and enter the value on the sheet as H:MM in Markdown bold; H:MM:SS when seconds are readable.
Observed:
**11:20**
